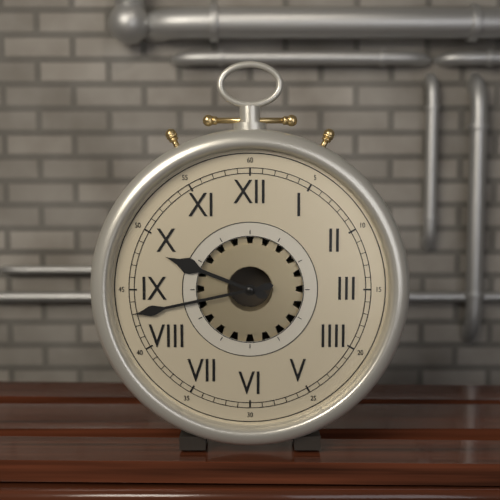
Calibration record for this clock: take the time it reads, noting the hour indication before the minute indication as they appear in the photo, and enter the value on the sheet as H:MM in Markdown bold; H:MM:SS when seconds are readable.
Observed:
**9:43**
